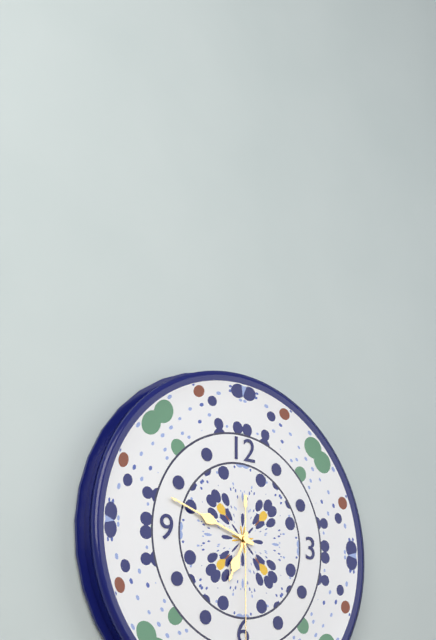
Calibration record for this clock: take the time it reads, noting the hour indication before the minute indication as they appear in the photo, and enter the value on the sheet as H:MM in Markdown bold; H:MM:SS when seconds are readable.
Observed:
**6:48**
